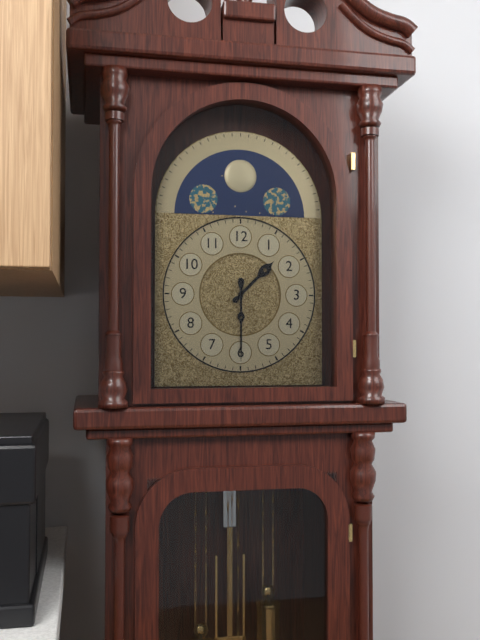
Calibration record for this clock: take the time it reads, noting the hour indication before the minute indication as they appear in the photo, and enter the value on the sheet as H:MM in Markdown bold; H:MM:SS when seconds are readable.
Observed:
**1:30**
